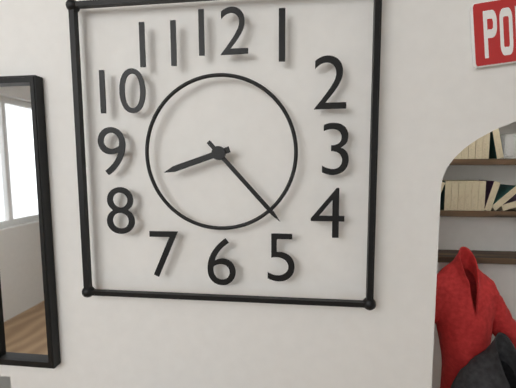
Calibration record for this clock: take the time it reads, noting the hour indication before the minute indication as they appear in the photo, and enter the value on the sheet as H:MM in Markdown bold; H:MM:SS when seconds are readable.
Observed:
**8:23**
